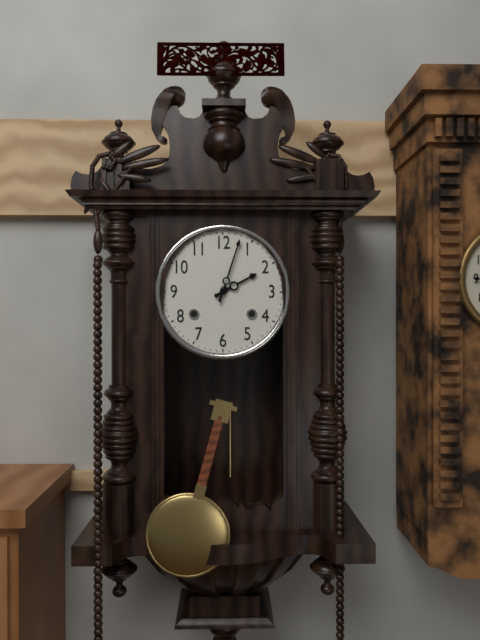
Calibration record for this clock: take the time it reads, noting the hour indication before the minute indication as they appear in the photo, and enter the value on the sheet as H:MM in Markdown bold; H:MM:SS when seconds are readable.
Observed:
**2:03**
